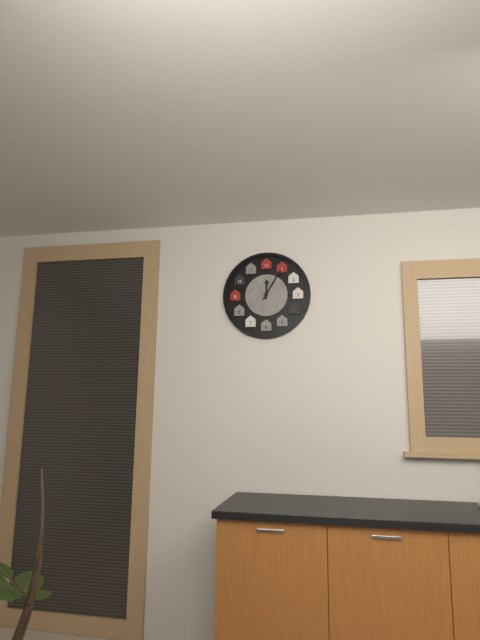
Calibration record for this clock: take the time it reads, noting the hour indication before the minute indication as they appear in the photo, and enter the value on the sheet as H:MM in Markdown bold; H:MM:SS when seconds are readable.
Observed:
**12:05**
